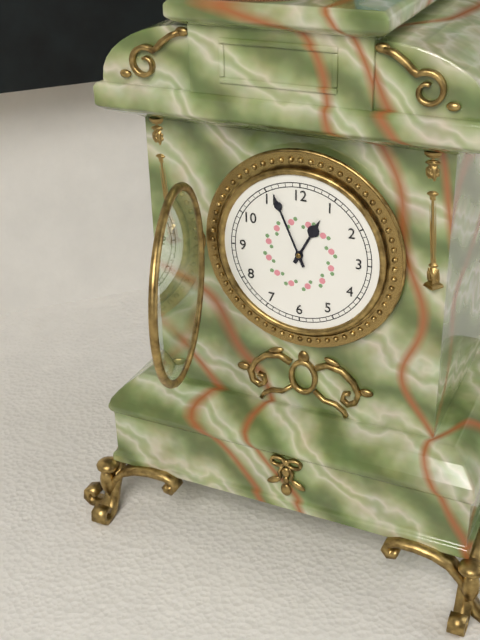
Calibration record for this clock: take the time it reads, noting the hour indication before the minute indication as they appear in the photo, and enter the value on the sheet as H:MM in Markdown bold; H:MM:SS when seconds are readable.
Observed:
**12:56**
